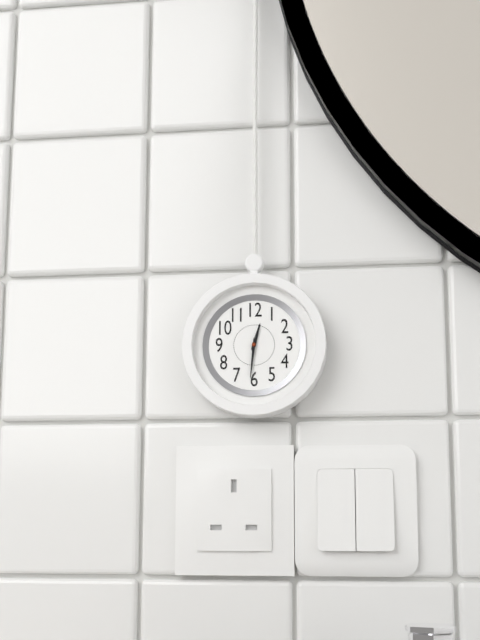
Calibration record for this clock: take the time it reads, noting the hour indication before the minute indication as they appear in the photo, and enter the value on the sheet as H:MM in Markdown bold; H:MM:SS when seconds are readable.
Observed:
**12:31**
